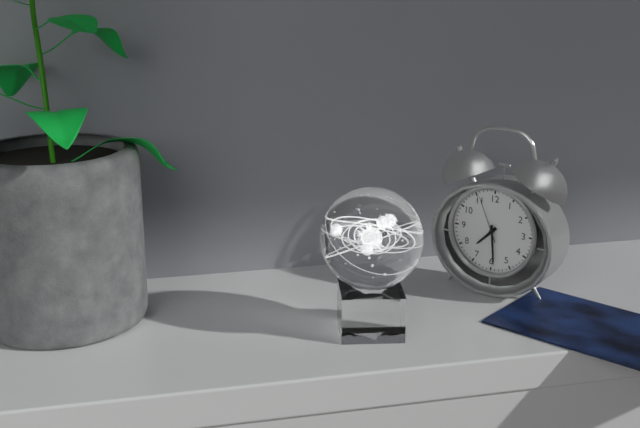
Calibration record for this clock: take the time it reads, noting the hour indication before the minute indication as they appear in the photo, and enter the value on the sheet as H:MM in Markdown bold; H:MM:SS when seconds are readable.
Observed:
**7:29**
